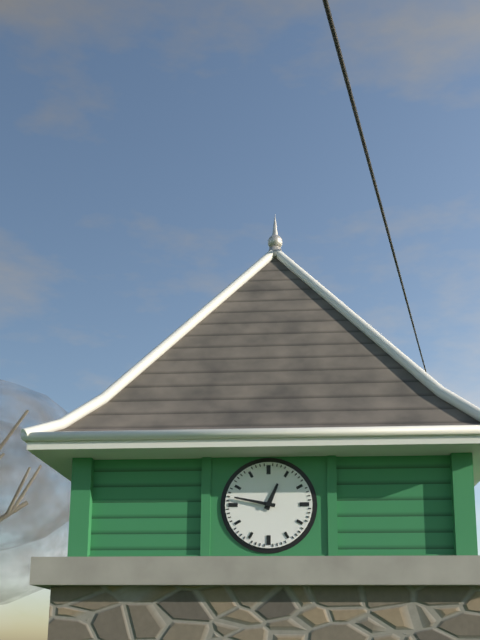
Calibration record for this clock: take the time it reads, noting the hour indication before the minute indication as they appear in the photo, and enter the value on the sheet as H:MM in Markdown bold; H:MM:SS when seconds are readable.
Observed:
**12:47**
